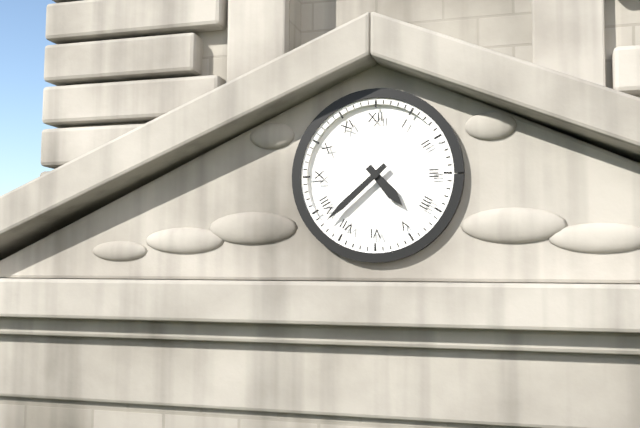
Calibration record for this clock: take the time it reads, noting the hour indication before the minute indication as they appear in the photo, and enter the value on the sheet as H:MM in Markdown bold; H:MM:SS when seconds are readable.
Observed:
**4:38**
